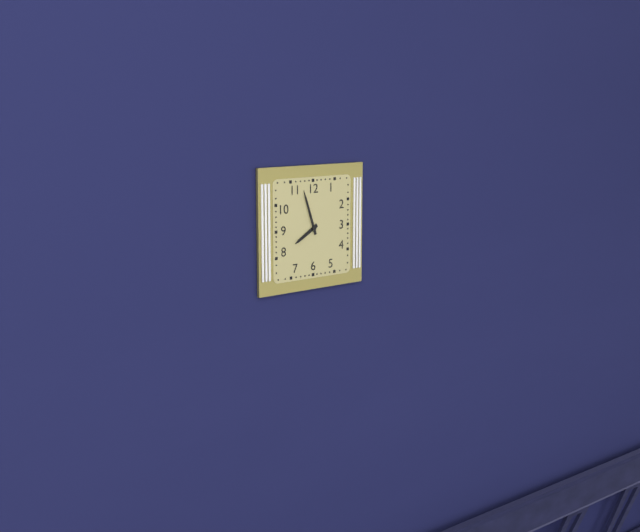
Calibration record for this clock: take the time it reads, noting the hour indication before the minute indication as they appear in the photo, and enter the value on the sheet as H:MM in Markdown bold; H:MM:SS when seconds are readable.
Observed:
**7:57**
